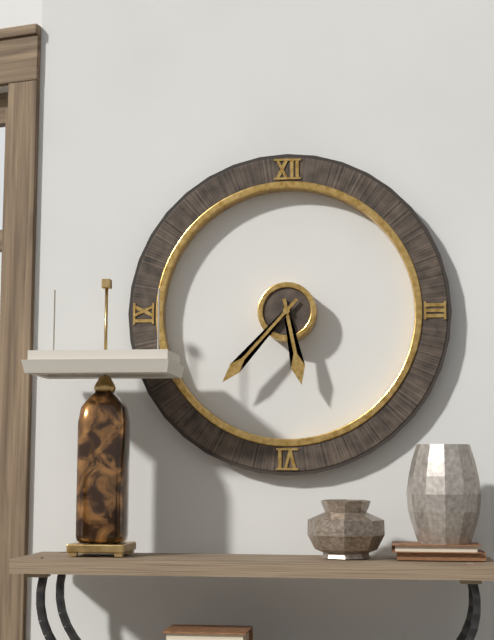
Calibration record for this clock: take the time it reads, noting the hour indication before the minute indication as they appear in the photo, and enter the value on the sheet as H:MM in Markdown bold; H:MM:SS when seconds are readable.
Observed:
**5:37**
